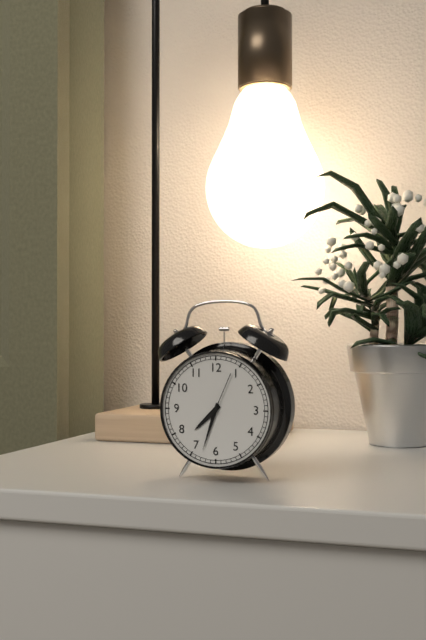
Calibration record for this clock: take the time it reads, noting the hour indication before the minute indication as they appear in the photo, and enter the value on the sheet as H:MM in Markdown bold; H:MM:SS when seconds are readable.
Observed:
**7:33**
